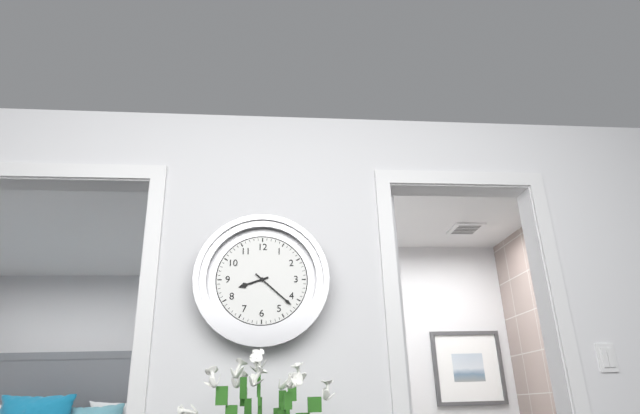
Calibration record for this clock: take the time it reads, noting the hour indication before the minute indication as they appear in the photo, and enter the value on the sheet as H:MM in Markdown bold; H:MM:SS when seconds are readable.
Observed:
**8:22**
